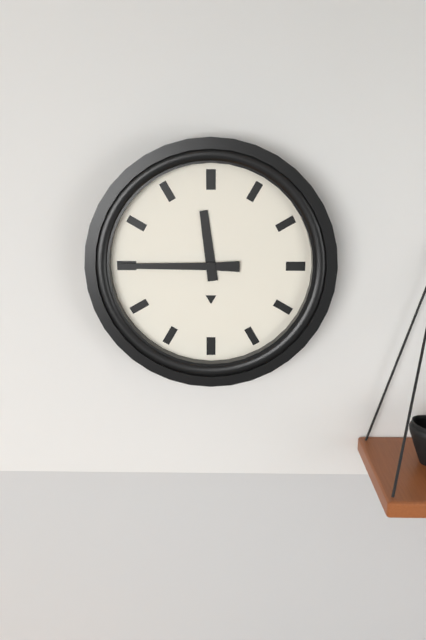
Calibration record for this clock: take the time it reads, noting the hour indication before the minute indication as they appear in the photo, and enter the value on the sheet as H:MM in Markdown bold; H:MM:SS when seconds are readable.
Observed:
**11:45**
